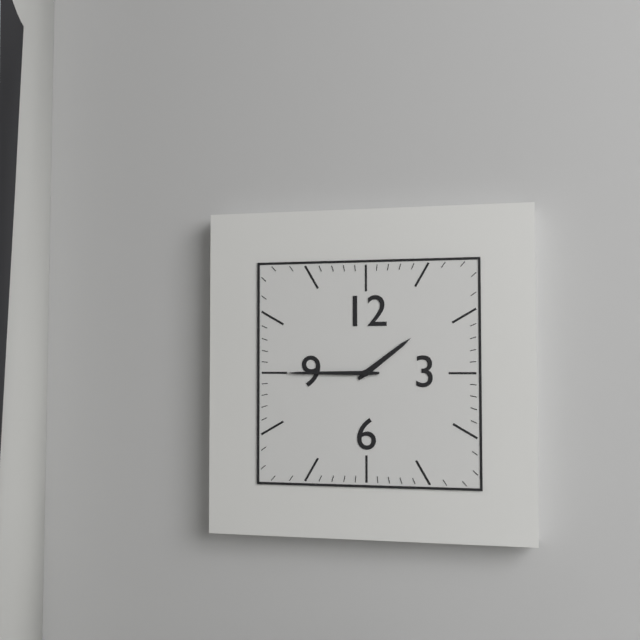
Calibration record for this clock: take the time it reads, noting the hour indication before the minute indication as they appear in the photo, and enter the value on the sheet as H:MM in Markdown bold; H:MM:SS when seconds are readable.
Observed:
**1:45**
